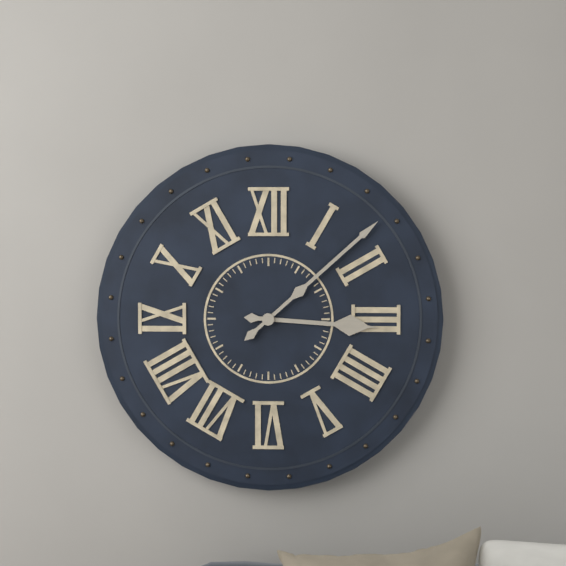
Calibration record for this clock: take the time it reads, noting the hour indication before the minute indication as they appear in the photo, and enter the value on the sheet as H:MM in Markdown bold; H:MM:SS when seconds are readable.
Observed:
**3:08**
